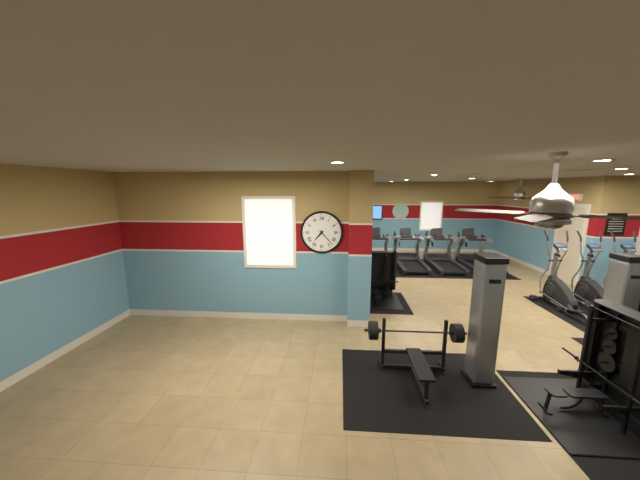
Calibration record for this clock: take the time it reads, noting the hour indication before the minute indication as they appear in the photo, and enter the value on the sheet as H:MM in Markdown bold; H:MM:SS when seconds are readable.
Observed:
**7:23**
